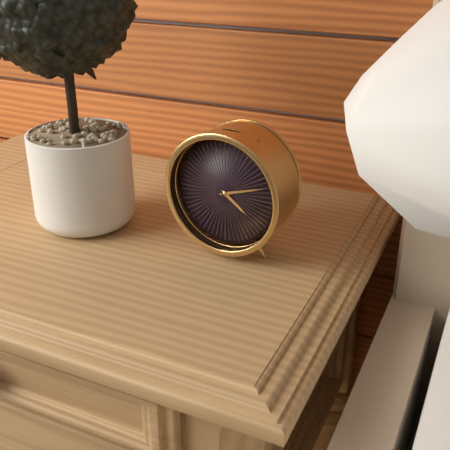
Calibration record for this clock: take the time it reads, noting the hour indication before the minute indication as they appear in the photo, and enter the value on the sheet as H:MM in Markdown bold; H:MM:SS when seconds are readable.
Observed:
**4:12**
